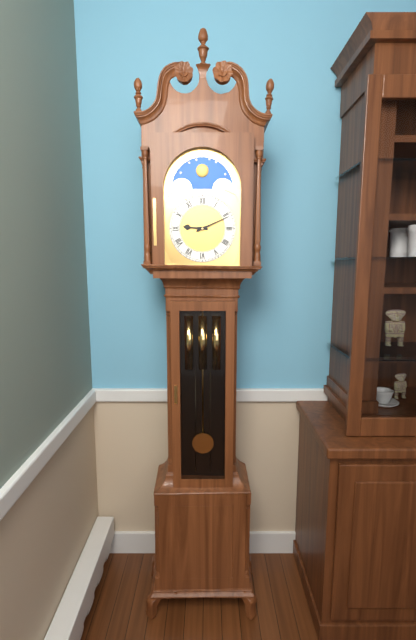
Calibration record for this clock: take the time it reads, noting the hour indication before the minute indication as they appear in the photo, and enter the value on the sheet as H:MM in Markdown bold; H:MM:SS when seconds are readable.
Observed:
**9:11**
